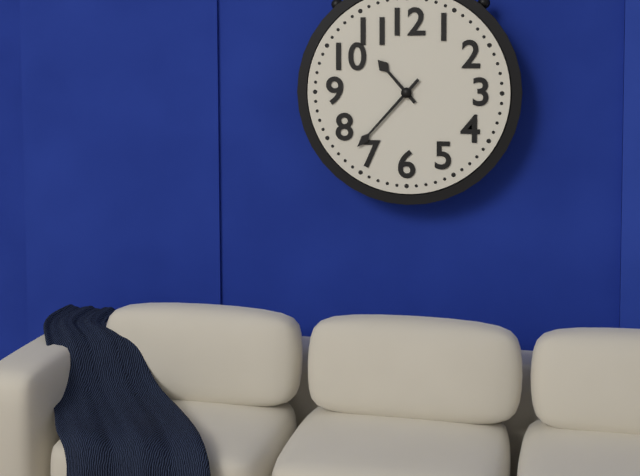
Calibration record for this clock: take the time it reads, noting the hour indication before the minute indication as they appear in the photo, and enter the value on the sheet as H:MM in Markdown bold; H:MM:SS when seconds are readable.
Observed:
**10:37**
